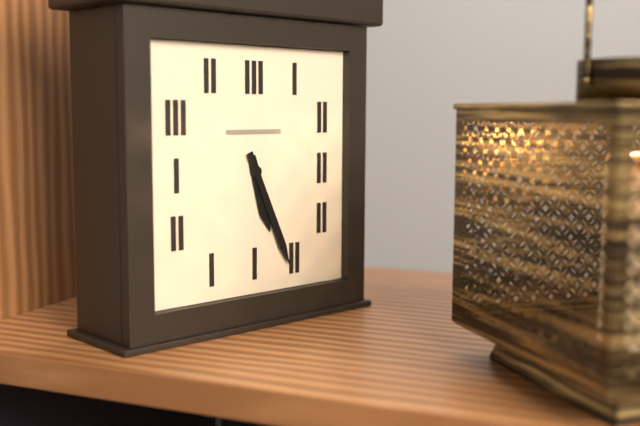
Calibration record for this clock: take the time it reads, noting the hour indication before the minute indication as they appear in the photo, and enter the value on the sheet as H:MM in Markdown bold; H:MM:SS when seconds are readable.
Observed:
**5:26**
